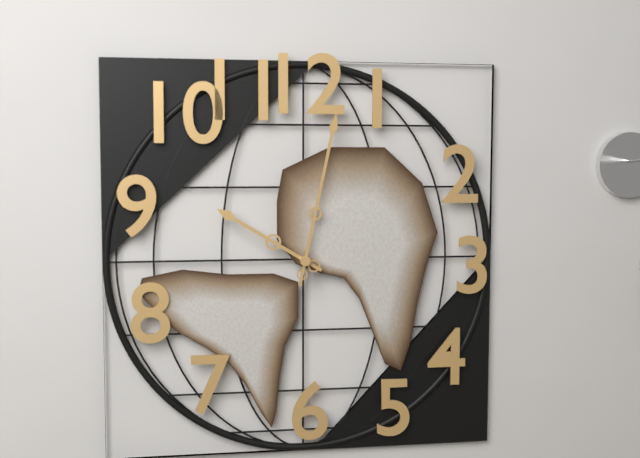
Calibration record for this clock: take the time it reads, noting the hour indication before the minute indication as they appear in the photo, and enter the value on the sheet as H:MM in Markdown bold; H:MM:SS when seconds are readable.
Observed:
**10:02**
